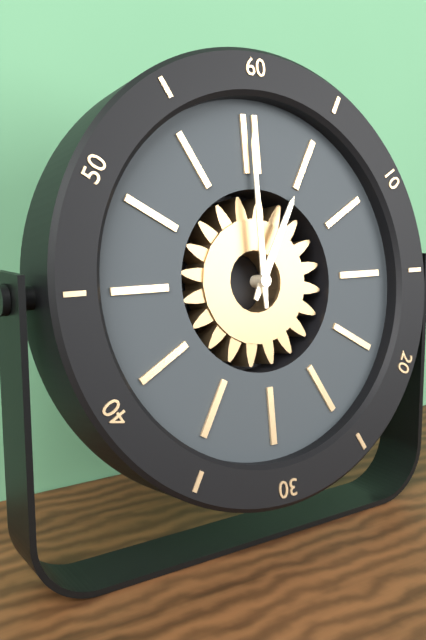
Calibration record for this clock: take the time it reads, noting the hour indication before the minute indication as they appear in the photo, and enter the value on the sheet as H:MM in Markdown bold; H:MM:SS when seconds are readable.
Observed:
**1:00**
